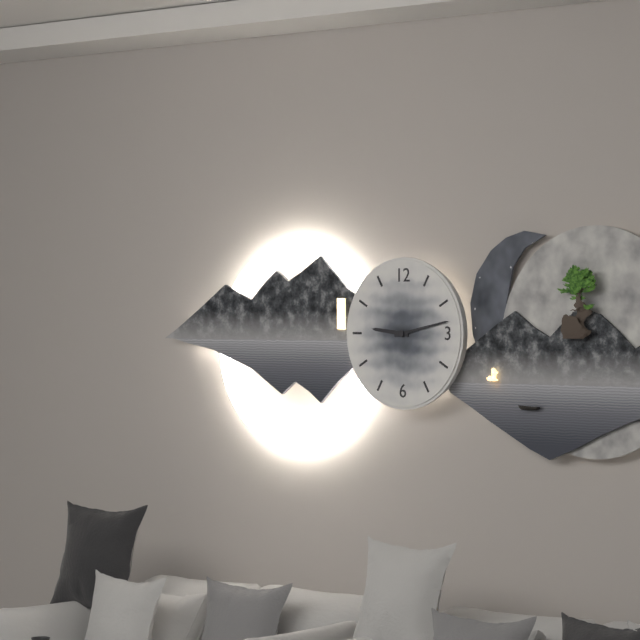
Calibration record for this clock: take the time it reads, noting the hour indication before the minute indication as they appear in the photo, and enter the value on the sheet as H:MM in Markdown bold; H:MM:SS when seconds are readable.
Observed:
**9:13**
